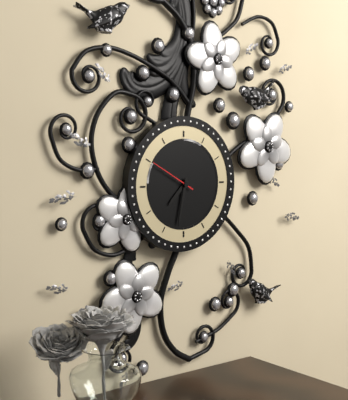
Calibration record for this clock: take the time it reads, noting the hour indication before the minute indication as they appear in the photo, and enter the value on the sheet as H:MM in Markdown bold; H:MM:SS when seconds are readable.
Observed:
**7:32**
